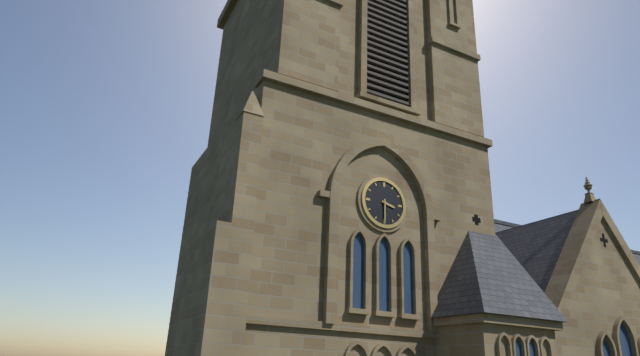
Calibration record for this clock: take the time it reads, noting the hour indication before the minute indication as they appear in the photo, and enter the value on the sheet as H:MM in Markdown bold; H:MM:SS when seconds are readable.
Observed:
**3:30**
